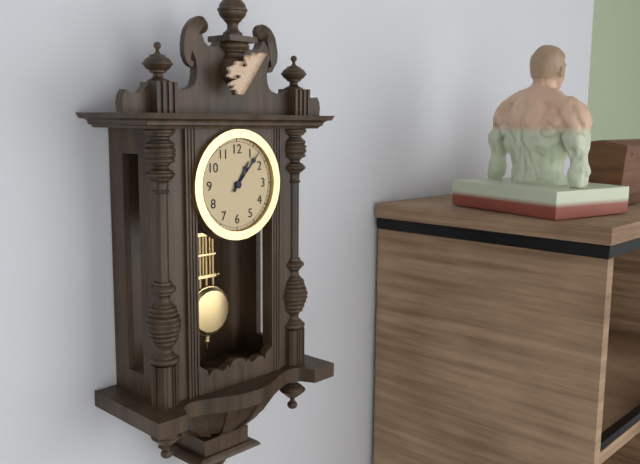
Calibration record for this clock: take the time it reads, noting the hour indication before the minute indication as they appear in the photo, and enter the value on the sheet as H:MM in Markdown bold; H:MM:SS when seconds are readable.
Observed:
**1:07**
